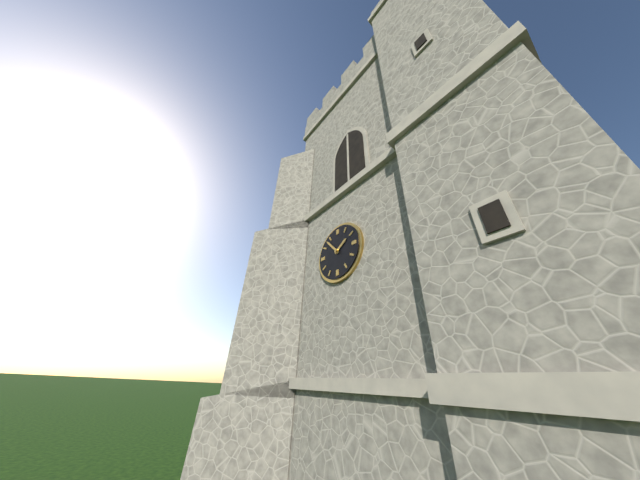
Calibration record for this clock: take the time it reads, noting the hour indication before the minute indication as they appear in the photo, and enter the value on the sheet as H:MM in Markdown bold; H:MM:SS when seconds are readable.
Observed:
**1:53**
